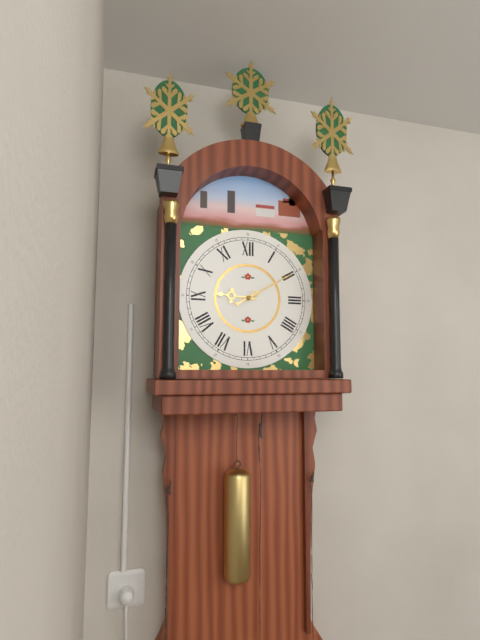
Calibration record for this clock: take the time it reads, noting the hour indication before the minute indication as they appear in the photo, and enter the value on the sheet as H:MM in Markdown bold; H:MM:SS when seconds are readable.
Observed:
**9:10**
